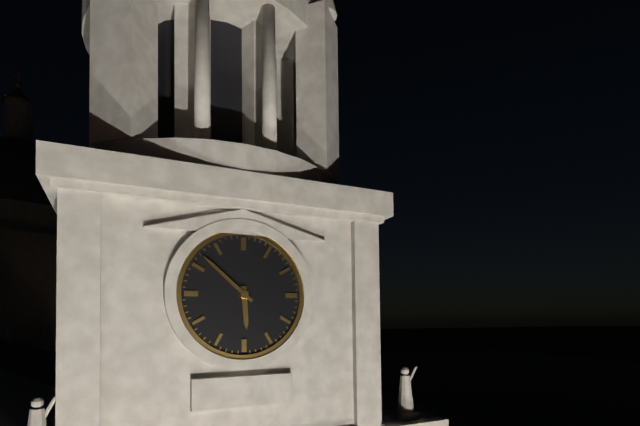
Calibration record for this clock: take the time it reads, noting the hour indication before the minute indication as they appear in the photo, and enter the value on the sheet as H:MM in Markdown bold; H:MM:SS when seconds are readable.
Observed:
**5:52**
